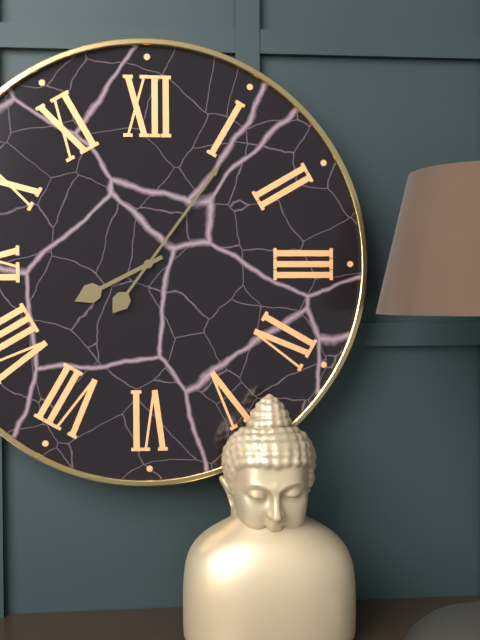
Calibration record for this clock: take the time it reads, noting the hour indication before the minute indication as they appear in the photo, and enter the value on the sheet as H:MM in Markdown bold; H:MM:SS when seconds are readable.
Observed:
**8:06**
